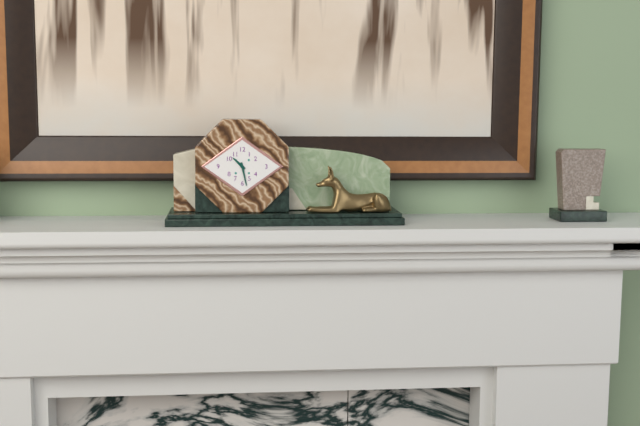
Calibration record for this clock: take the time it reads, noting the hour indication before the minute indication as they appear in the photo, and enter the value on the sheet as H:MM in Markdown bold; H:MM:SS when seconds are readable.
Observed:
**10:28**
